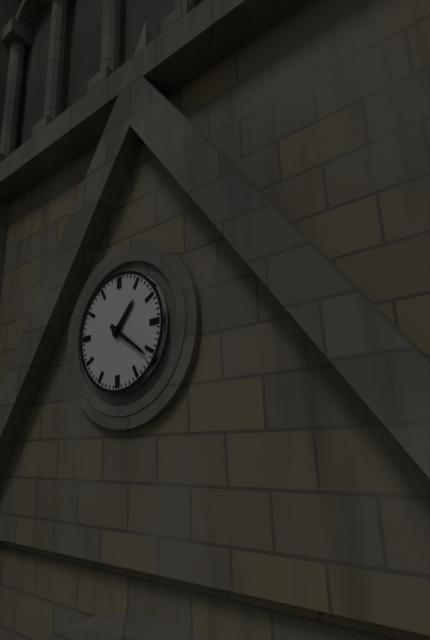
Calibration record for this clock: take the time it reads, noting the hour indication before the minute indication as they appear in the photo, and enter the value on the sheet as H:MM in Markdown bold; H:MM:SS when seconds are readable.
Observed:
**1:21**
